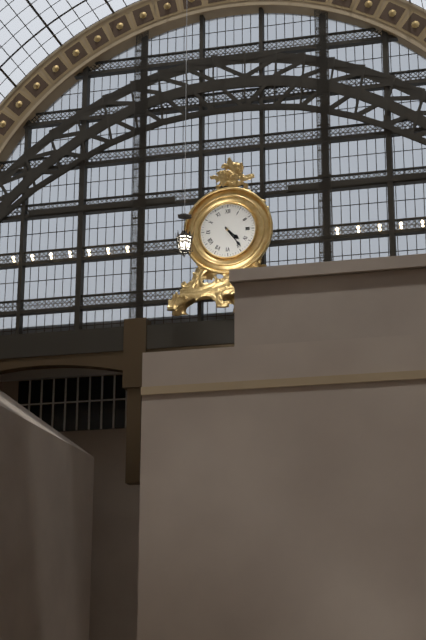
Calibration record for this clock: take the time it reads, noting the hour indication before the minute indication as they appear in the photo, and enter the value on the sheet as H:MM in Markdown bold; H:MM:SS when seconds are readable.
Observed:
**4:24**
